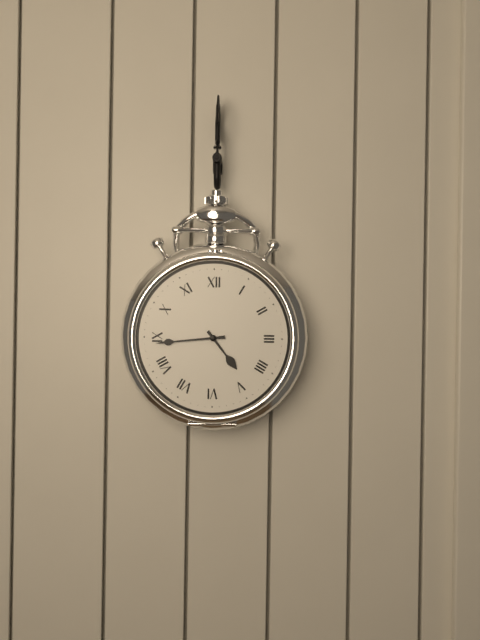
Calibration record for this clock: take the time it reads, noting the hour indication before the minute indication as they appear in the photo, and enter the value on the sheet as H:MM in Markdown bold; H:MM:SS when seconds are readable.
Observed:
**4:44**
